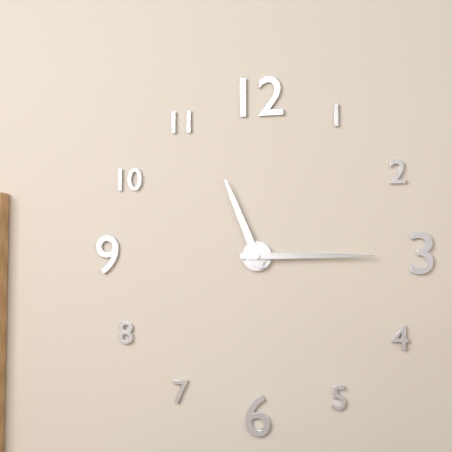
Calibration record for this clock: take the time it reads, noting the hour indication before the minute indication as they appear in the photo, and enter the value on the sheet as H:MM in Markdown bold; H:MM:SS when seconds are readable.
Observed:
**11:15**
